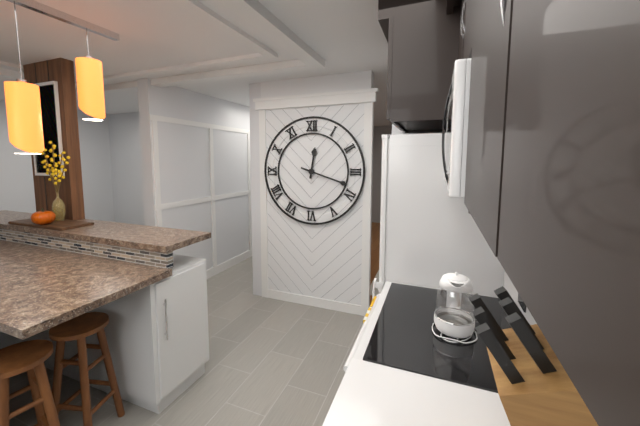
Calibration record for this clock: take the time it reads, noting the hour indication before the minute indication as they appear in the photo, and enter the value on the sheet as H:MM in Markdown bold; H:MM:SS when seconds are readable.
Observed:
**12:18**
